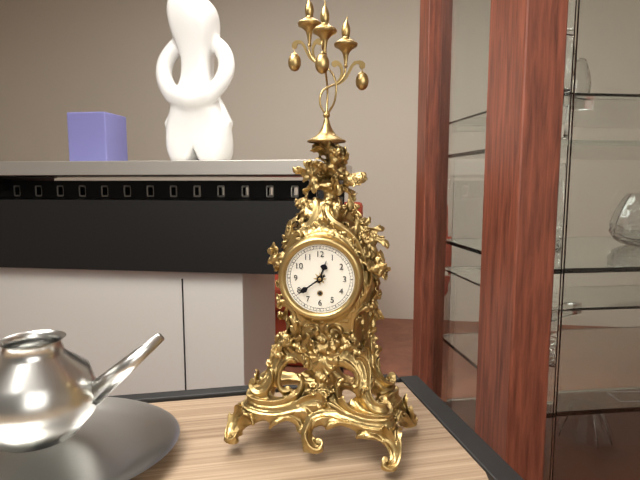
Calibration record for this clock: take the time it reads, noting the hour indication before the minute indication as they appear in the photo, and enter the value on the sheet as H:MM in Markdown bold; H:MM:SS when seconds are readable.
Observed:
**12:39**
